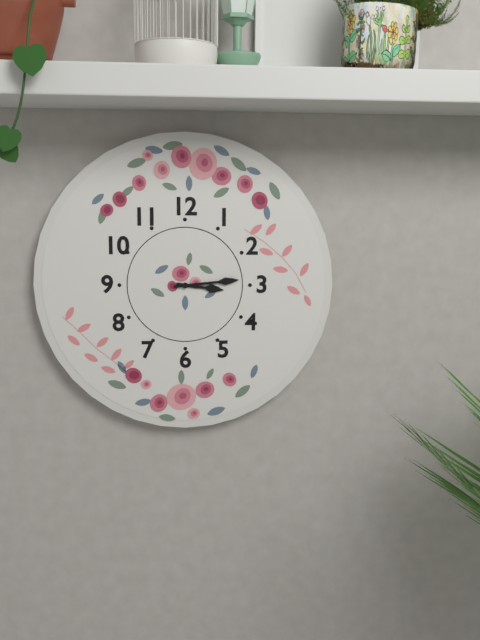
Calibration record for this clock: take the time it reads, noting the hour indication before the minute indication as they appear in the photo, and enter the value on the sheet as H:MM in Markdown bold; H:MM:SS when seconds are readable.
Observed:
**3:14**
